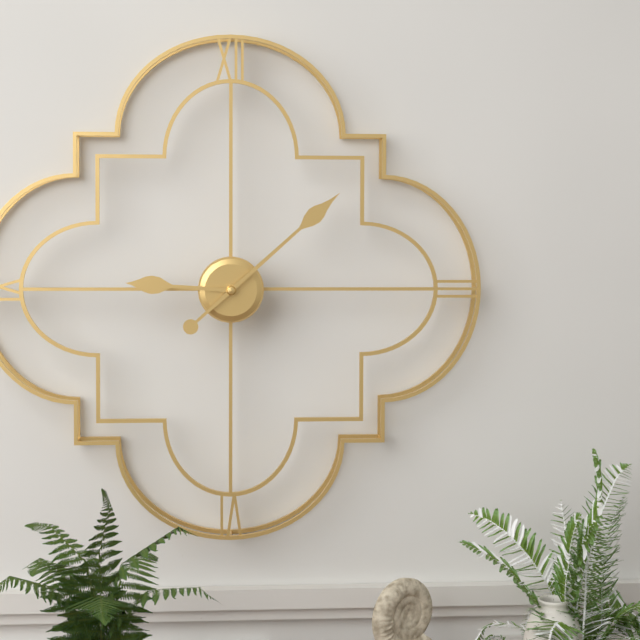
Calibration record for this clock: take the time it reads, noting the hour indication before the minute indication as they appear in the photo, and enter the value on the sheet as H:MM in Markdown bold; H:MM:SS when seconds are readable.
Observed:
**9:08**
